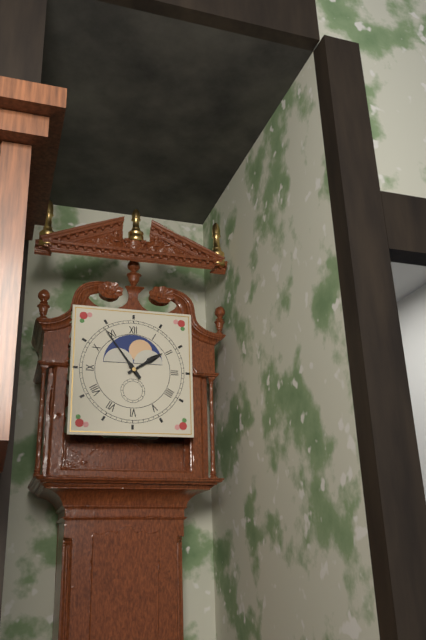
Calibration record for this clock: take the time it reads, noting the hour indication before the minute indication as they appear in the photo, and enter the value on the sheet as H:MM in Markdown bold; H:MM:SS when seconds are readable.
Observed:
**1:54**
